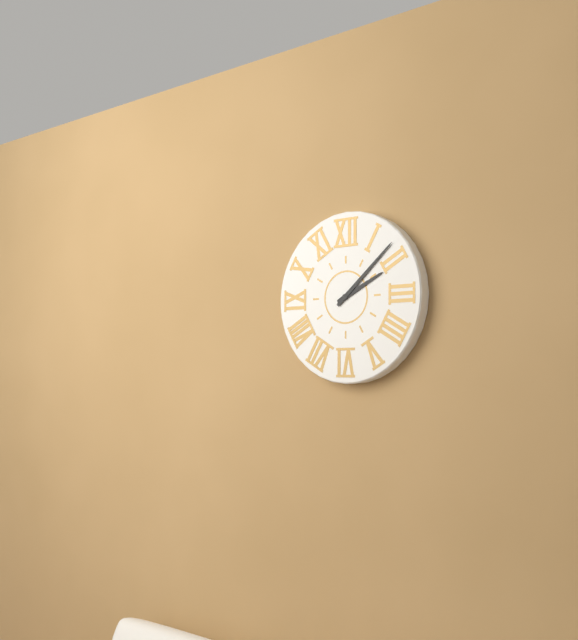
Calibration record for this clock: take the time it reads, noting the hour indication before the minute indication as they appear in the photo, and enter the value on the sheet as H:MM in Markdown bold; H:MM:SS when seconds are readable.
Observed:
**2:08**
